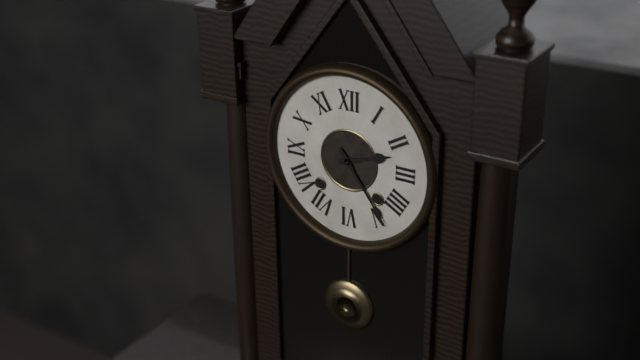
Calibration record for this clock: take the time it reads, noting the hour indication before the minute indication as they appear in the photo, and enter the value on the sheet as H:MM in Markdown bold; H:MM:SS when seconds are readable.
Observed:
**2:24**
